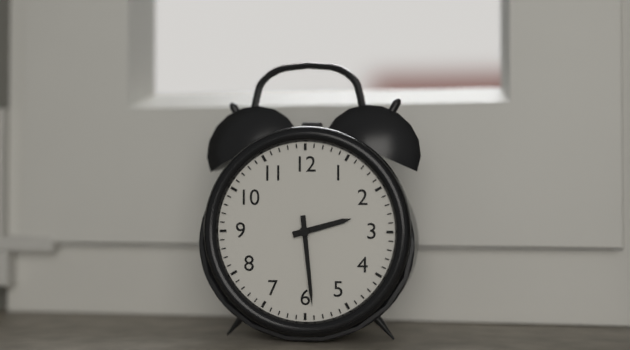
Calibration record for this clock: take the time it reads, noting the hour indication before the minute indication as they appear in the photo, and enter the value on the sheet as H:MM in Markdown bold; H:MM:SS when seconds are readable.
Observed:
**2:29**
